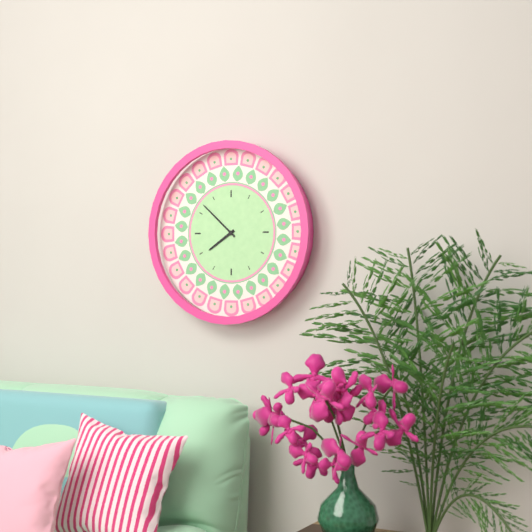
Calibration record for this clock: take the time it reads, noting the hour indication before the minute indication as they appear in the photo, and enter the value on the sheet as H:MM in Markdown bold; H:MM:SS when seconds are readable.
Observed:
**7:52**
